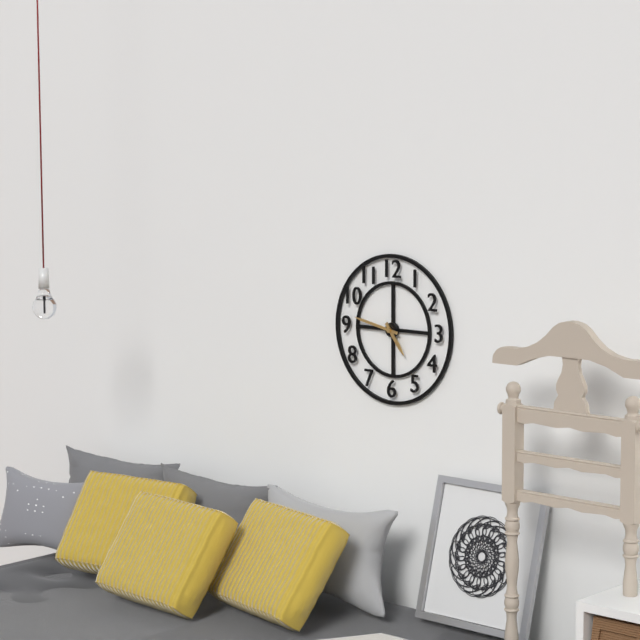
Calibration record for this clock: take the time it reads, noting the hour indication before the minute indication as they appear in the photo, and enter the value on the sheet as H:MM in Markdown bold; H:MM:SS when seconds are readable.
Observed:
**4:47**
